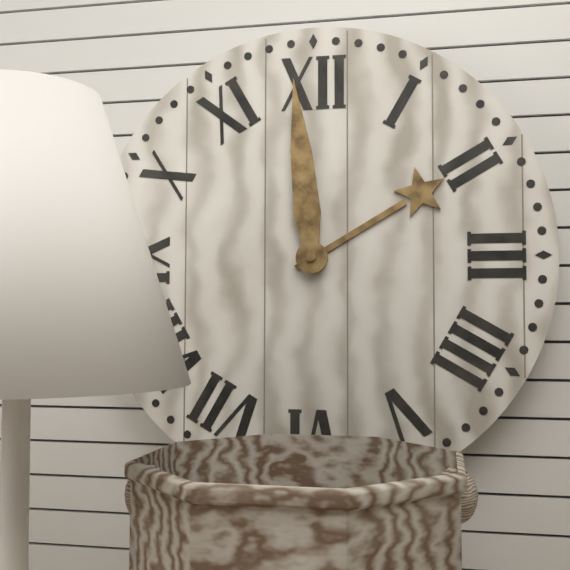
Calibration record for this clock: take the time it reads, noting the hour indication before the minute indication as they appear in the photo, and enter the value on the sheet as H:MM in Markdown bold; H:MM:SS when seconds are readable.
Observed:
**1:59**
